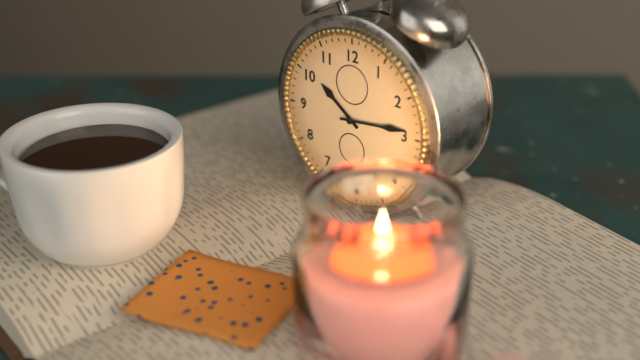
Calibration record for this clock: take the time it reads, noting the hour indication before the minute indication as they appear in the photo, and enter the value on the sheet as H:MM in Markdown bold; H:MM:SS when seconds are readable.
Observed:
**10:14**
